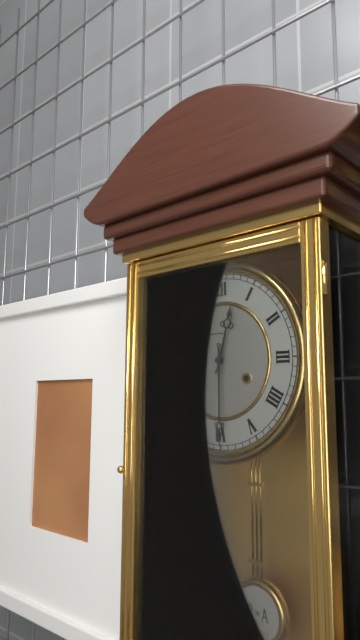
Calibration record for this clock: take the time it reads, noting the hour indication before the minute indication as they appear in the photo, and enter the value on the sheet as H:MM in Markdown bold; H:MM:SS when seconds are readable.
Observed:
**12:30**
